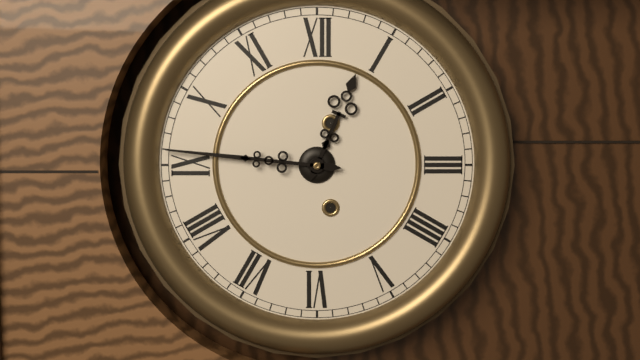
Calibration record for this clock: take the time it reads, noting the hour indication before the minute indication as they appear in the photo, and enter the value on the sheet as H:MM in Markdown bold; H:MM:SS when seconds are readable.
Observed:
**12:46**
